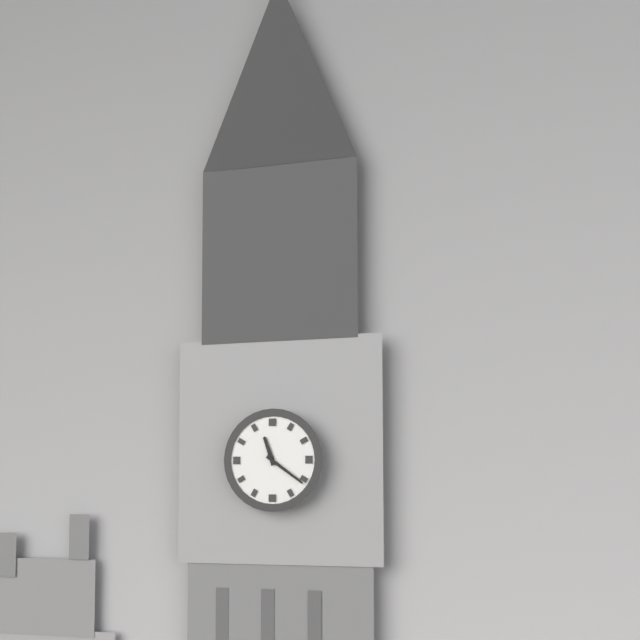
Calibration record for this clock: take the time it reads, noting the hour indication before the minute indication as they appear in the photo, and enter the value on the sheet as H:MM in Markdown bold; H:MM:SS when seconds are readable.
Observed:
**11:21**
